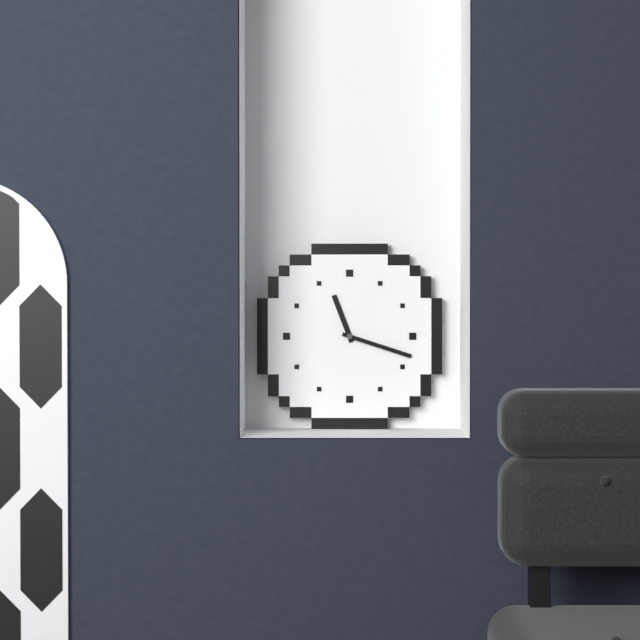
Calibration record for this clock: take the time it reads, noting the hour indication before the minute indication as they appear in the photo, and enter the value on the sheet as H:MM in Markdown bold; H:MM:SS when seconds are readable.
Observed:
**11:18**
